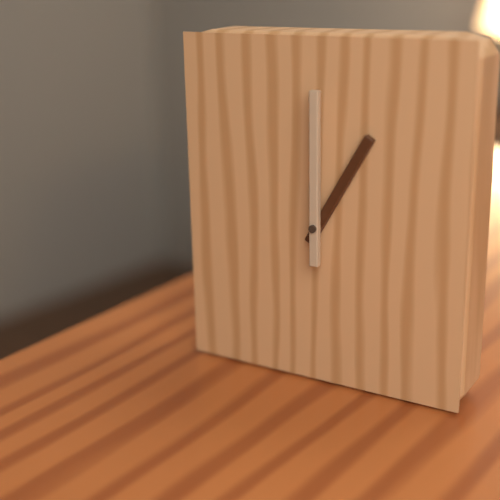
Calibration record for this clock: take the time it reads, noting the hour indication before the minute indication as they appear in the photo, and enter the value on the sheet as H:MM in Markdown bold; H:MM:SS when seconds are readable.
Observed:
**1:00**
